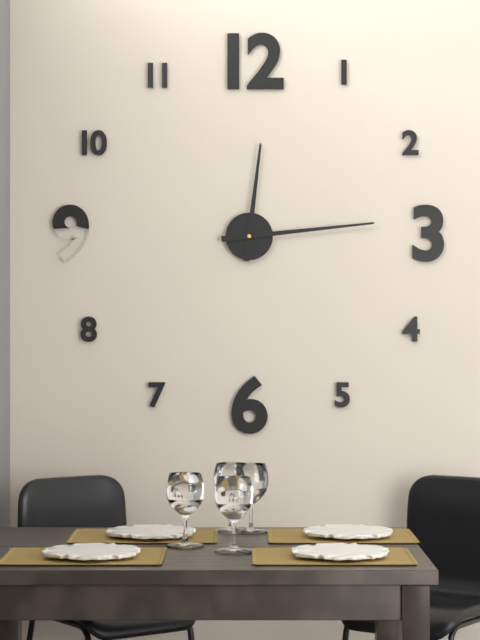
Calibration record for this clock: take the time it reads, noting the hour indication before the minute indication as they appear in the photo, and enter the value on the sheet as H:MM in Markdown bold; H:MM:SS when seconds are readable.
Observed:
**12:14**
